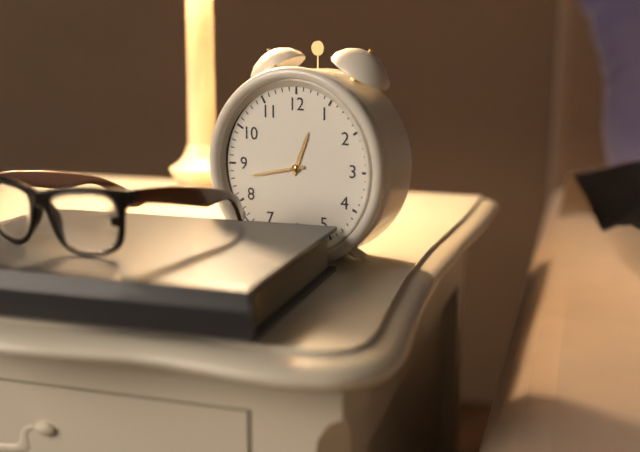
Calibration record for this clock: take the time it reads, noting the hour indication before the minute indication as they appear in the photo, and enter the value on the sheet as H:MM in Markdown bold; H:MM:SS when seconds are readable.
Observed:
**12:43**
